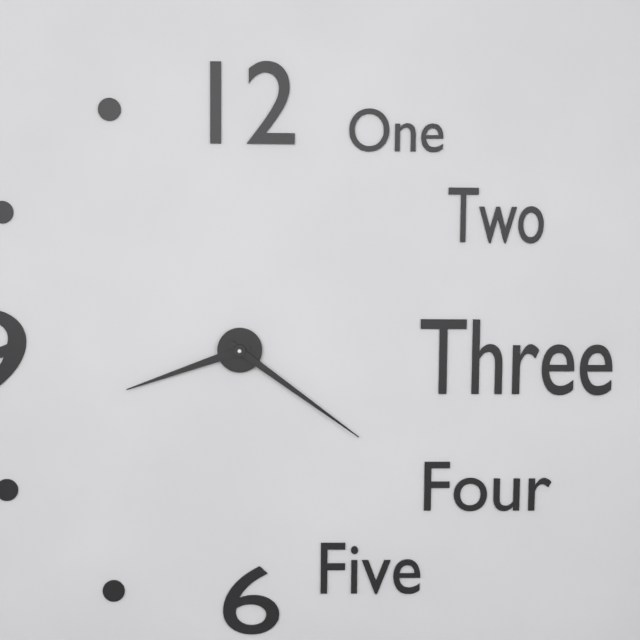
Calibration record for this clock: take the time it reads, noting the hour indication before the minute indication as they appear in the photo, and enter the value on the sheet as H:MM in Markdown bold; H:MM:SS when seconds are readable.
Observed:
**8:21**
